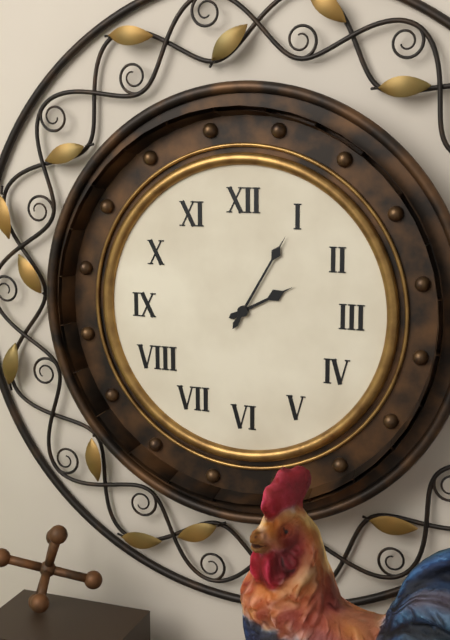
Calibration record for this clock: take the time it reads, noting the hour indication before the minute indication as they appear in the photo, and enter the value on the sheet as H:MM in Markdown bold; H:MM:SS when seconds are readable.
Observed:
**2:05**
